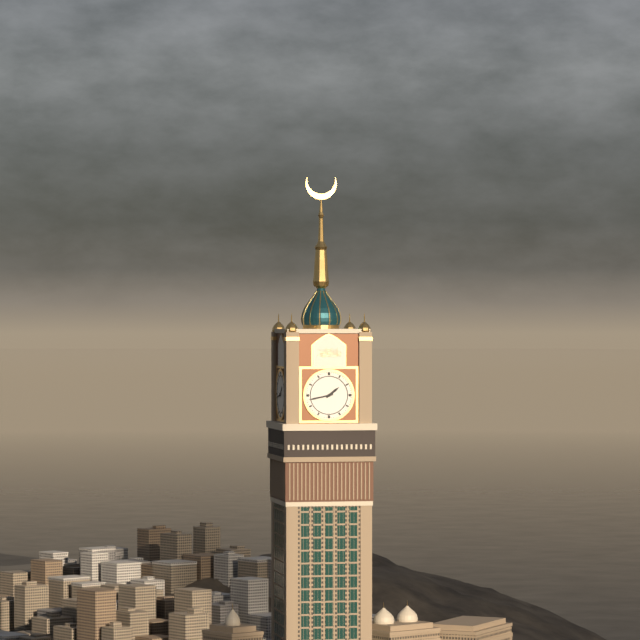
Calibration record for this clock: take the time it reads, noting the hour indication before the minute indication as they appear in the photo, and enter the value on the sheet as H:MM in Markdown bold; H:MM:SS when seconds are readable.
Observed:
**1:43**
